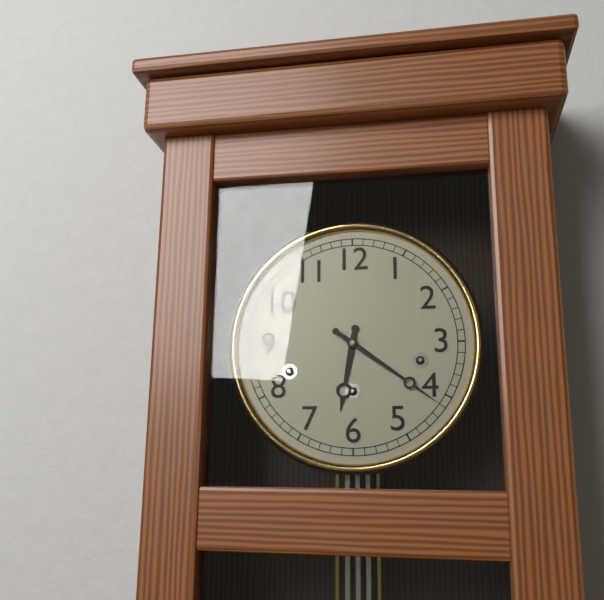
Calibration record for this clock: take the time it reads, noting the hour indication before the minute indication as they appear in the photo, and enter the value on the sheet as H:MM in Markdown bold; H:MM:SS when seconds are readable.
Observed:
**6:21**
